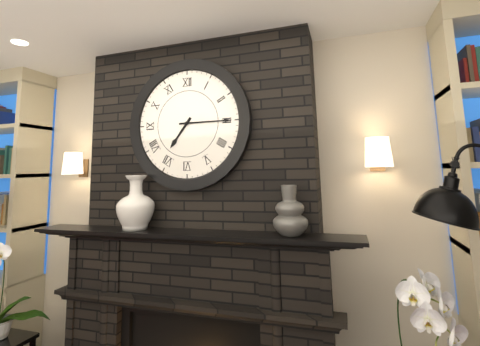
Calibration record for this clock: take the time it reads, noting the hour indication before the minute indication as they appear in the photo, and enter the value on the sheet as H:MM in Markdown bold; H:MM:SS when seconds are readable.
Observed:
**7:15**
